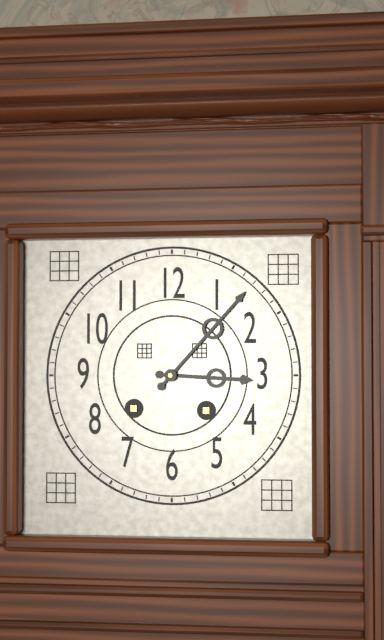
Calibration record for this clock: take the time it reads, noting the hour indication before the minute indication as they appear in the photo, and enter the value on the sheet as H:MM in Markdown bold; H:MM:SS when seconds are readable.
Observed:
**3:07**
